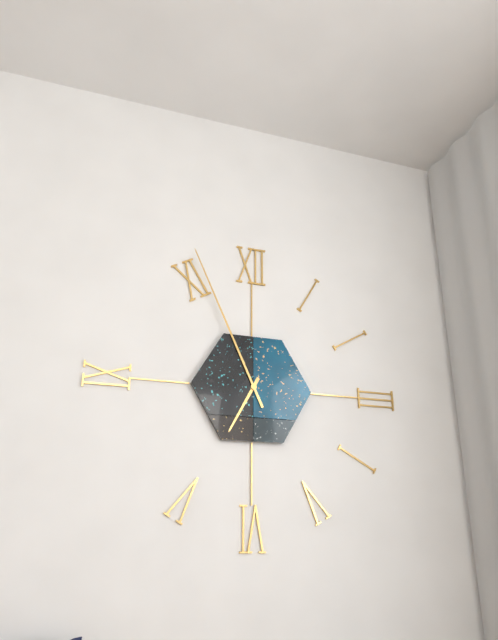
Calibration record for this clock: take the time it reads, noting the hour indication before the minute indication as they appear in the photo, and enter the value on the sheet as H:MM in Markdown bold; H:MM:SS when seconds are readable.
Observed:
**6:56**
